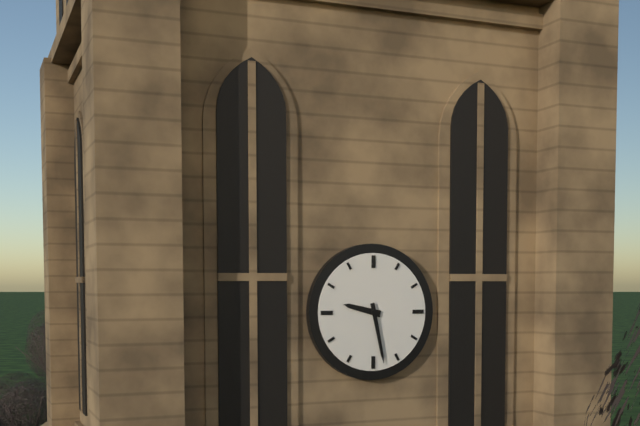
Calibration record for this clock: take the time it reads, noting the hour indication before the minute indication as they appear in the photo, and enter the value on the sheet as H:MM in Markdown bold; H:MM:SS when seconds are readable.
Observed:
**9:28**
